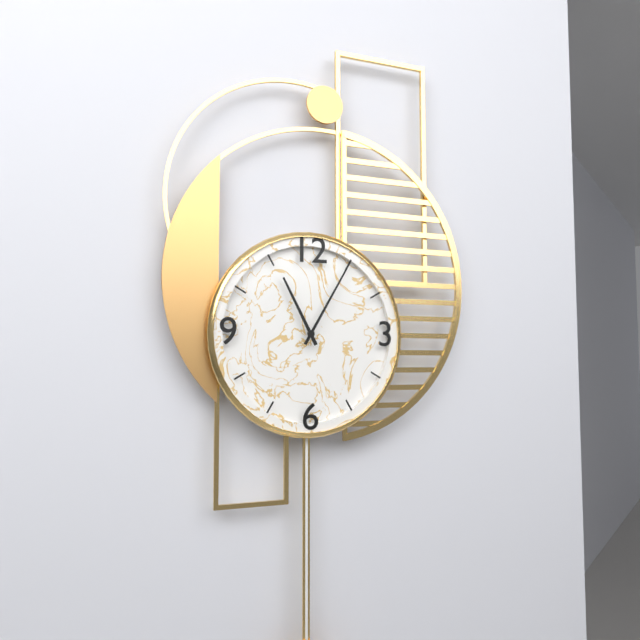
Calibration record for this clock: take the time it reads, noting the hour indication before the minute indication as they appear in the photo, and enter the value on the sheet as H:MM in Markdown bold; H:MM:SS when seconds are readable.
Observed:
**11:05**
